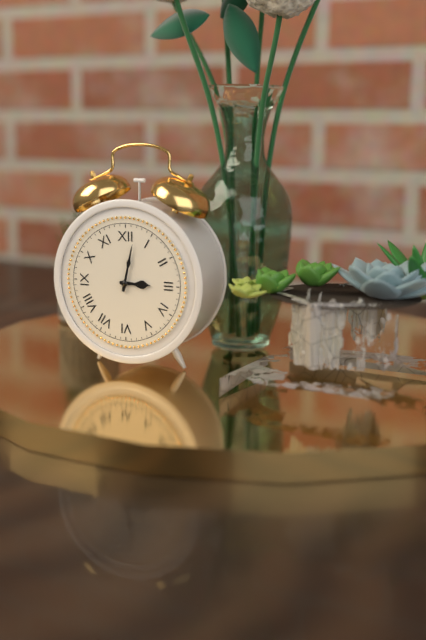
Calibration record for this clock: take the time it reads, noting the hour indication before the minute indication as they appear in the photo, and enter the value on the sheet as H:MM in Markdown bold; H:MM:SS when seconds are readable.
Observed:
**3:02**
